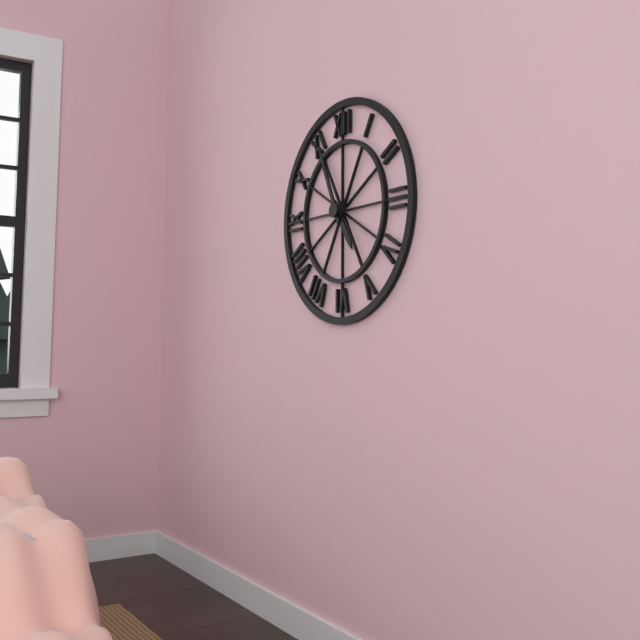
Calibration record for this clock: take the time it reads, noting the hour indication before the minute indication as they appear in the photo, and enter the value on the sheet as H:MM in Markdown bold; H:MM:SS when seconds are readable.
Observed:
**4:56**
